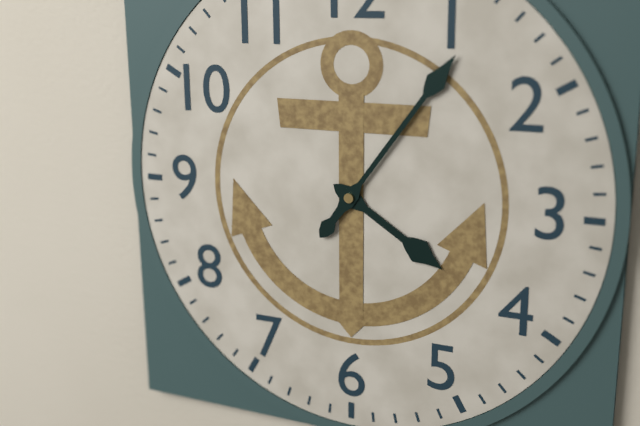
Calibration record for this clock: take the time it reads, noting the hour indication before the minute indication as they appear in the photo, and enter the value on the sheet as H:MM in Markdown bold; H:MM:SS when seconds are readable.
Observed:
**4:06**
